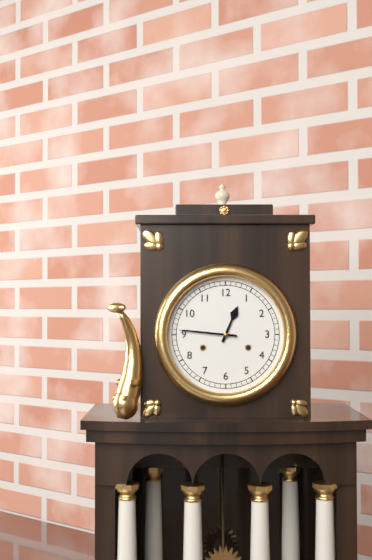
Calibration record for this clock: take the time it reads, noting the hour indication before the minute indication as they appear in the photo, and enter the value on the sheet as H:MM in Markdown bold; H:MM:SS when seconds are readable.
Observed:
**12:46**
